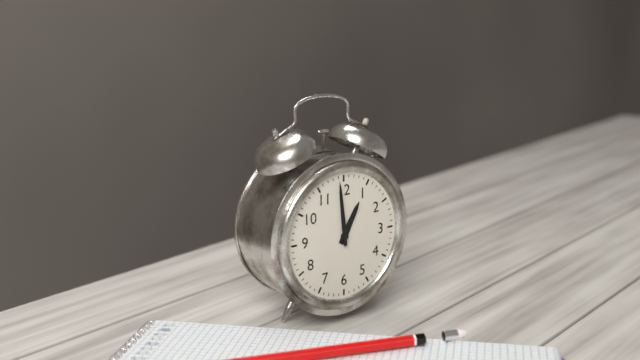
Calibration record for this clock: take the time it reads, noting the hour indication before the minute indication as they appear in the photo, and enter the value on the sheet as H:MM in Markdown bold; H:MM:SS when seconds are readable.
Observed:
**12:59**
